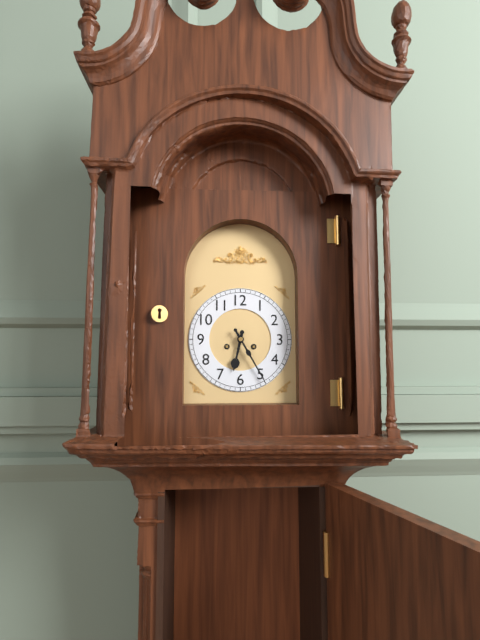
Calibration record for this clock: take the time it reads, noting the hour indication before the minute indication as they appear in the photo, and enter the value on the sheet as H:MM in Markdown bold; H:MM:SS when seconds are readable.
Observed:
**6:25**
